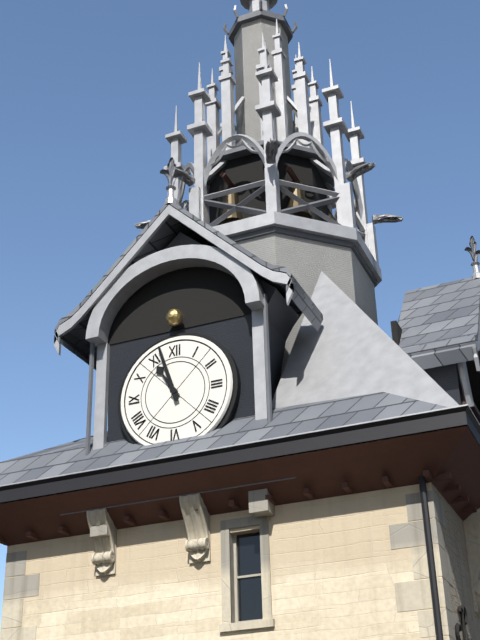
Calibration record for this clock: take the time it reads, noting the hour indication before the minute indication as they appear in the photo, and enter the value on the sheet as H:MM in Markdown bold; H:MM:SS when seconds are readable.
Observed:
**10:57**
